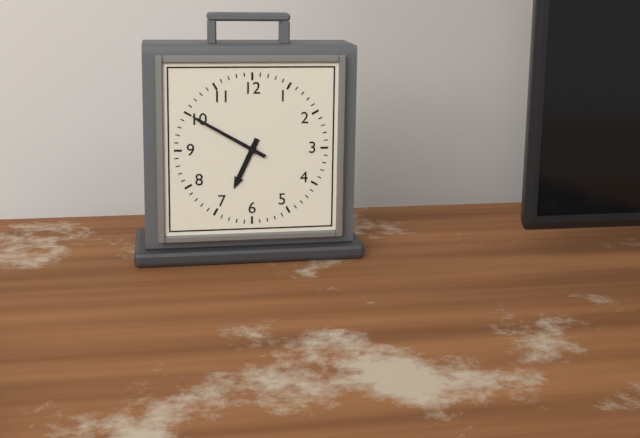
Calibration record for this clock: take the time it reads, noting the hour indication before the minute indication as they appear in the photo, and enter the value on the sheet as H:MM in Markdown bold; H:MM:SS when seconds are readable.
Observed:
**6:50**
